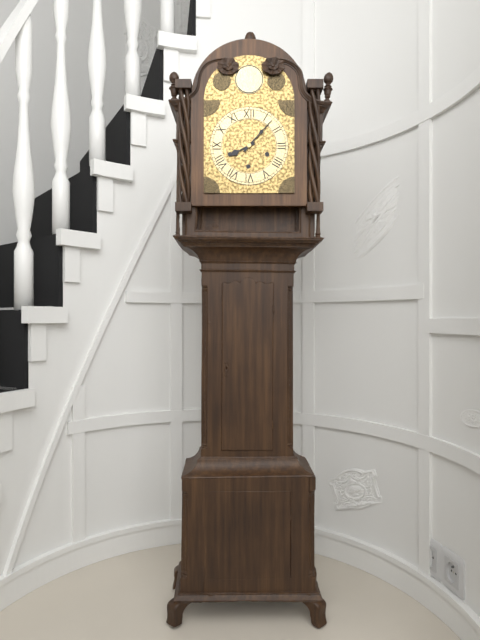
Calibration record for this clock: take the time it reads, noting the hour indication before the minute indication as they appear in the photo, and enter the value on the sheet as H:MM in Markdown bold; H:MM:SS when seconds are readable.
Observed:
**8:07**
